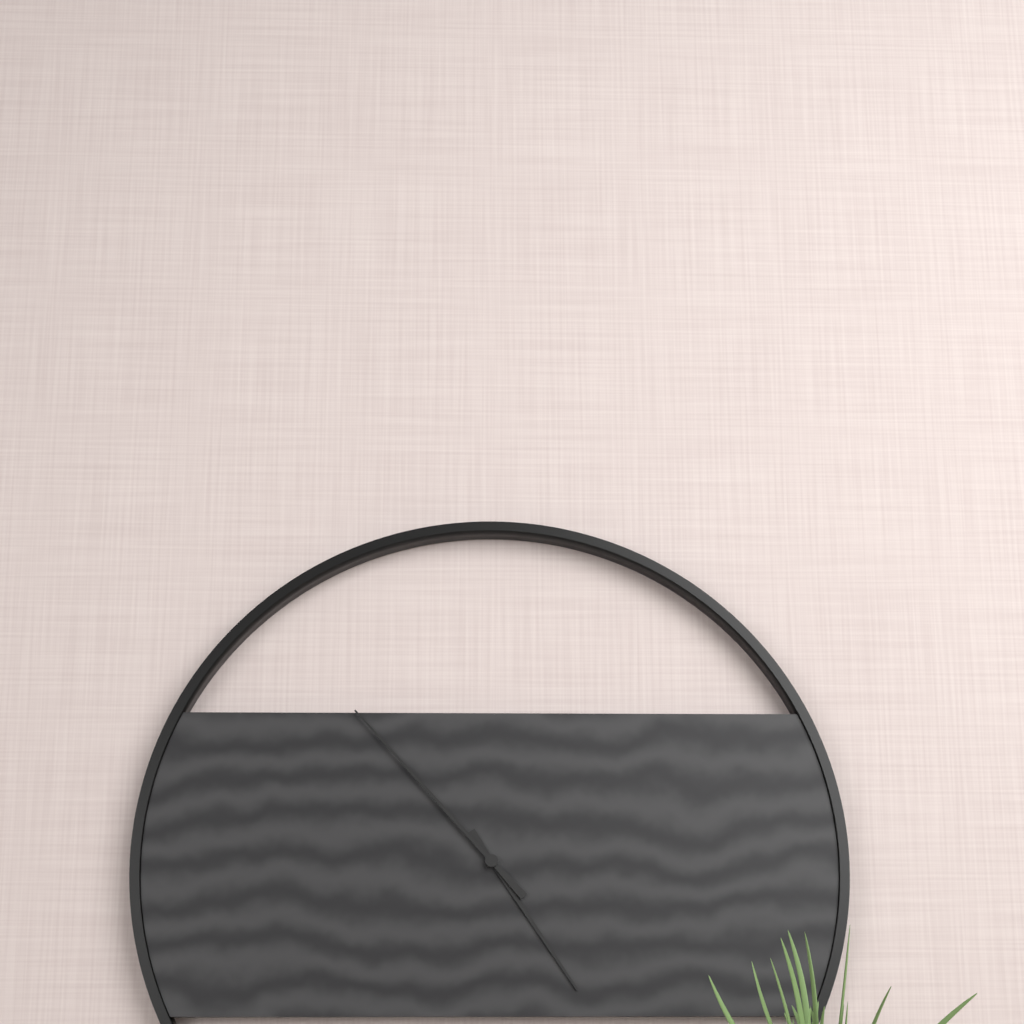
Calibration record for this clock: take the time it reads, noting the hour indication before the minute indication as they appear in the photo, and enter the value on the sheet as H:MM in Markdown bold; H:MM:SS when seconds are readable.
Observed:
**4:53**
